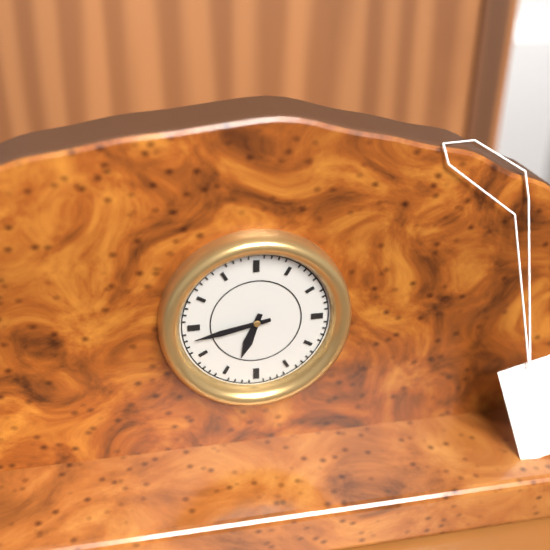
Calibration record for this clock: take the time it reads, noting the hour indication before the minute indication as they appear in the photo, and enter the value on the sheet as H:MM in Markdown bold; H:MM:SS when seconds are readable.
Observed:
**6:43**
